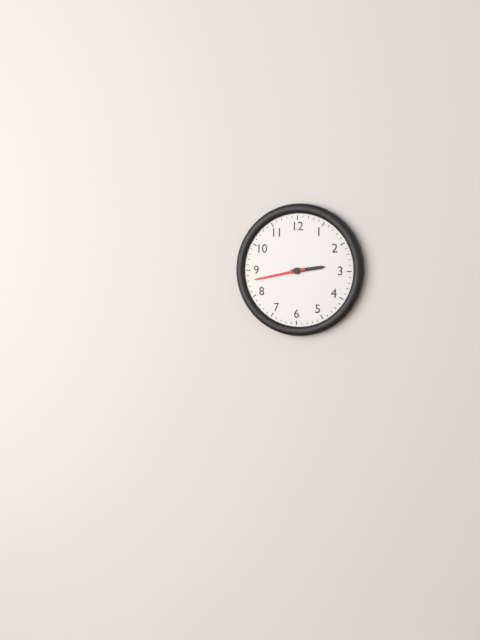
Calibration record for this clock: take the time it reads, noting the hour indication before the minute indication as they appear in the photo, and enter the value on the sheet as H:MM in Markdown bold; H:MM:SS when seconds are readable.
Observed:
**2:43**
